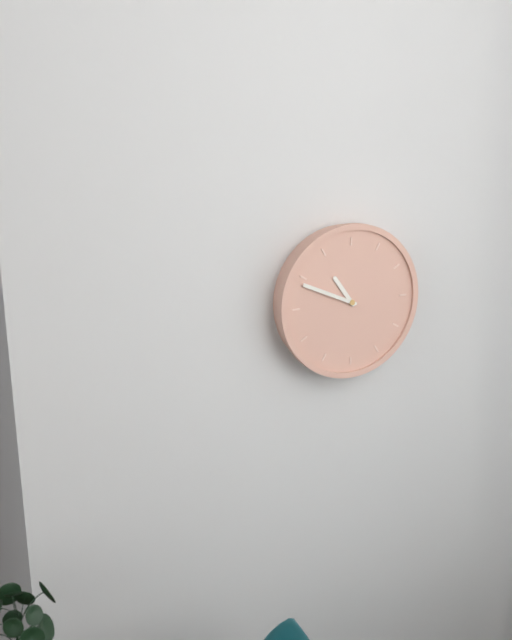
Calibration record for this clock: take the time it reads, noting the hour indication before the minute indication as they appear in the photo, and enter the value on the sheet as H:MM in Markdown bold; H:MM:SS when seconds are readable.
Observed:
**10:49**
